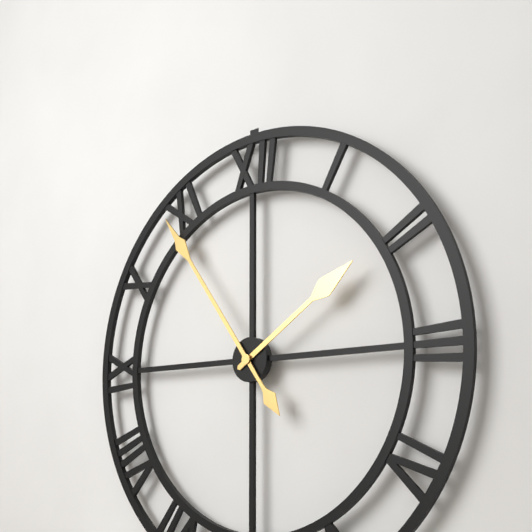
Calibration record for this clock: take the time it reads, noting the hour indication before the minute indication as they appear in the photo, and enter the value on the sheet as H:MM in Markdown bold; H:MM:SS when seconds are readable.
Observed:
**1:54**
